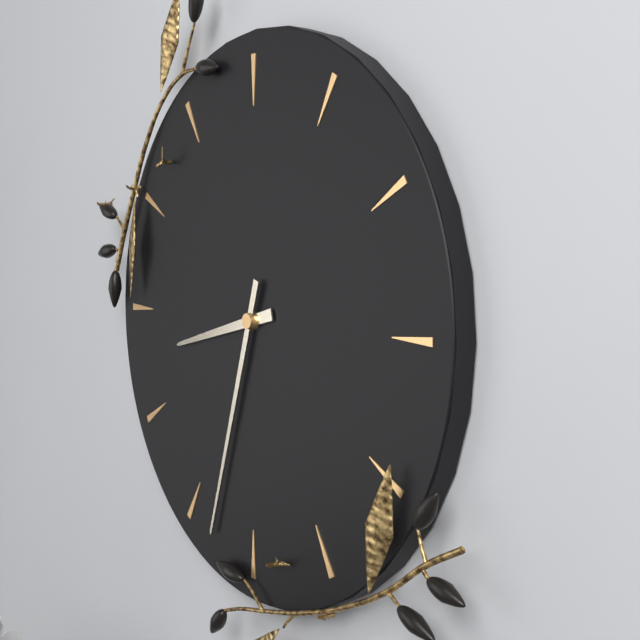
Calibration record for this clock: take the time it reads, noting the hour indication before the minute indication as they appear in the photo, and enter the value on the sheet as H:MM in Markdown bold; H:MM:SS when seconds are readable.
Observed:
**8:33**
